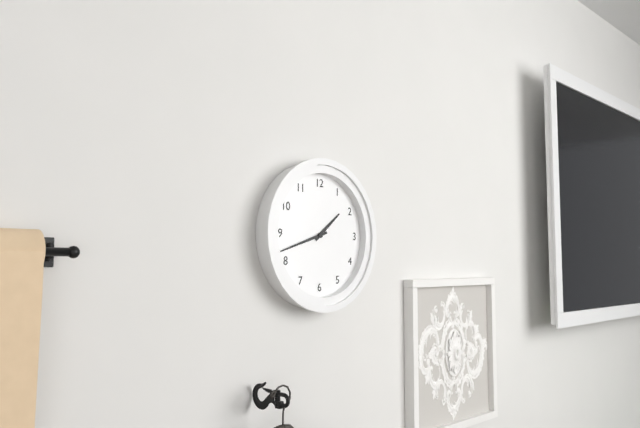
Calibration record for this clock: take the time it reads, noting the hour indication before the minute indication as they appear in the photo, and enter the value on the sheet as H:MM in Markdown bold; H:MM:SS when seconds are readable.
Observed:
**1:42**
